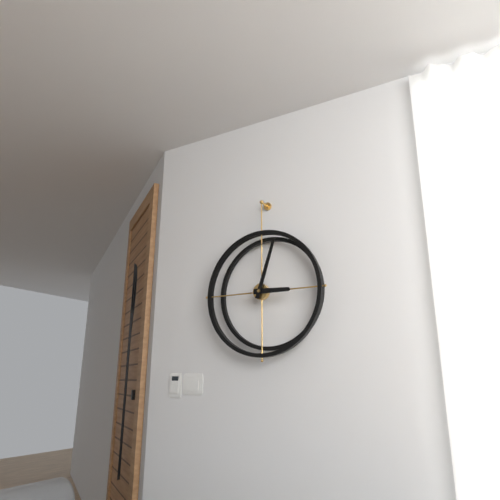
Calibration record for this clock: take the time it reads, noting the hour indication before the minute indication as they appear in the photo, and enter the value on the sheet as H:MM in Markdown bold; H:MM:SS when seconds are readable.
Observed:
**3:03**
